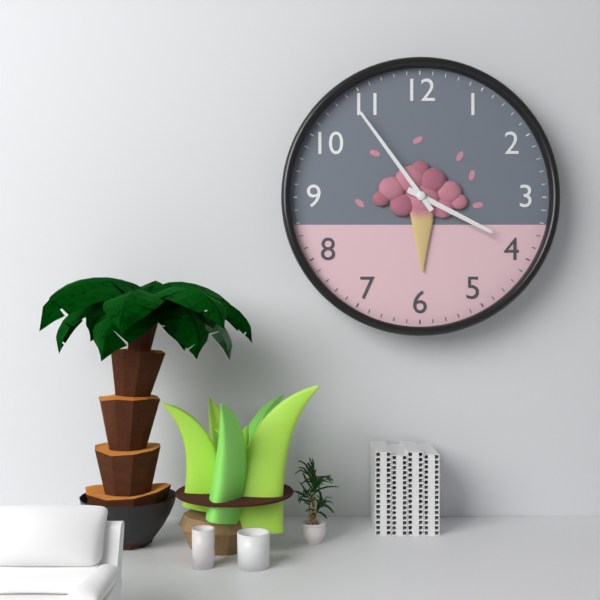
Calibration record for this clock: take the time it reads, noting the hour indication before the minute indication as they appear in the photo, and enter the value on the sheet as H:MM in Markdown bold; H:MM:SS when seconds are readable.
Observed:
**3:54**
